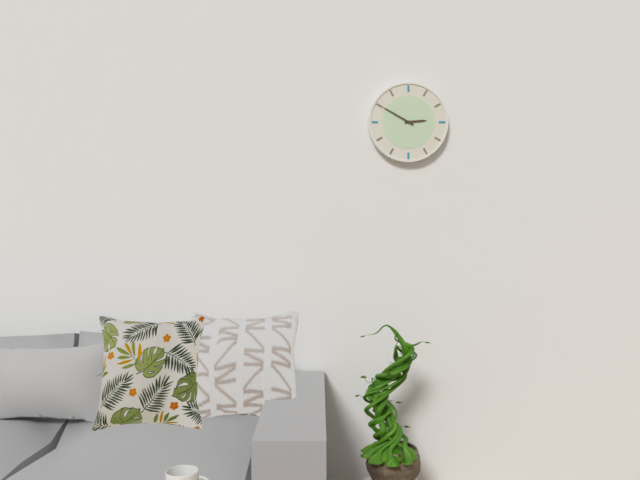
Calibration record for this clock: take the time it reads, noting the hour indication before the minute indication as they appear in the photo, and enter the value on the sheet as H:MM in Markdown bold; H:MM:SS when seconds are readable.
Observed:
**2:50**
